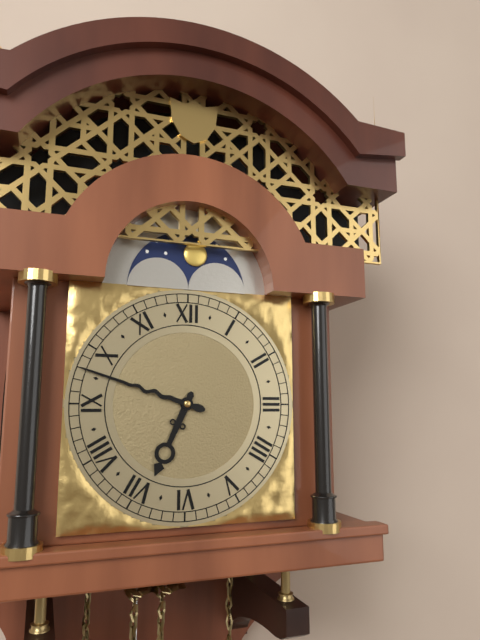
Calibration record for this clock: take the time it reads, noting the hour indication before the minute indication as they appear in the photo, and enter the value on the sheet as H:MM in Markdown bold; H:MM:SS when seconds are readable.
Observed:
**6:48**
